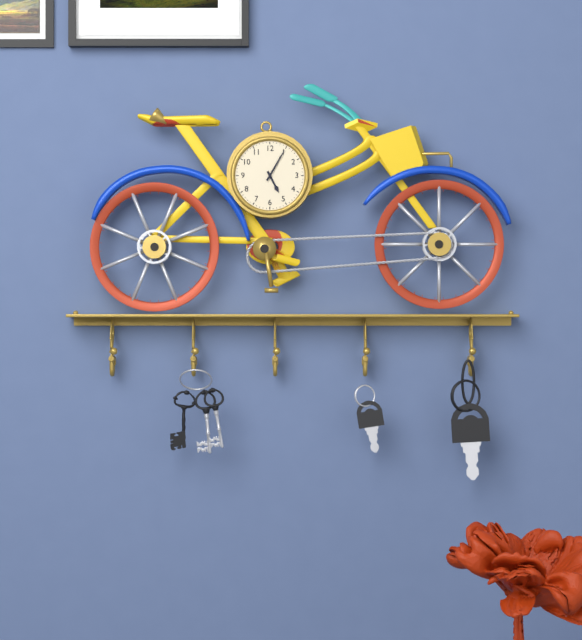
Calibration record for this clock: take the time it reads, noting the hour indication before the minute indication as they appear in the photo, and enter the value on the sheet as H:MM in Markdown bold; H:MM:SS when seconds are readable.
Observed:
**5:05**
